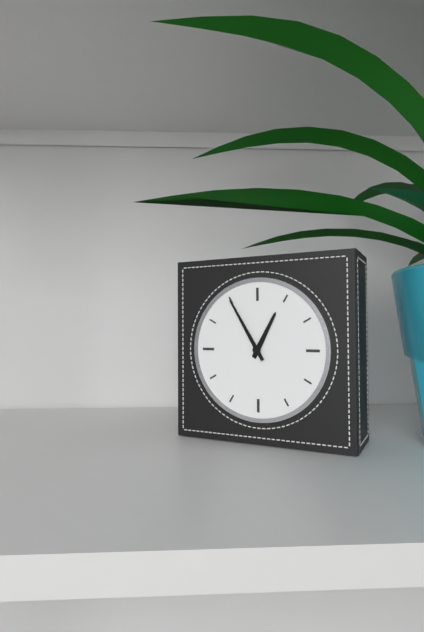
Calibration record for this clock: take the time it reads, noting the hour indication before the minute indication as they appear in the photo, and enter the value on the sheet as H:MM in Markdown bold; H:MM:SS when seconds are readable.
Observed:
**12:55**
